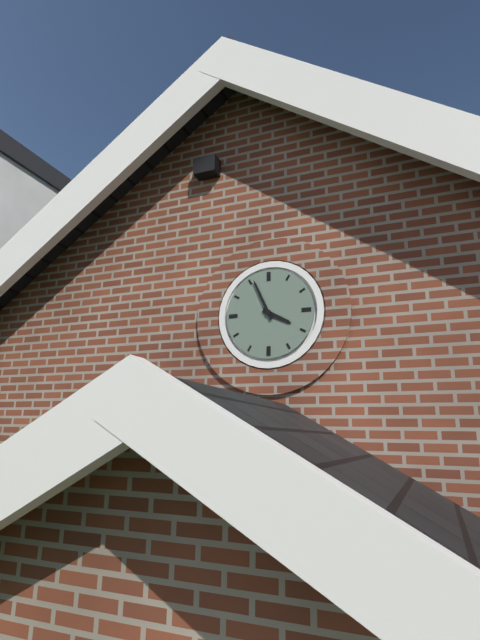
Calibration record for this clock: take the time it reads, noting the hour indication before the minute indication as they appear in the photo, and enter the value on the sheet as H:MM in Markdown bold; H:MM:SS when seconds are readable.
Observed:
**3:56**
